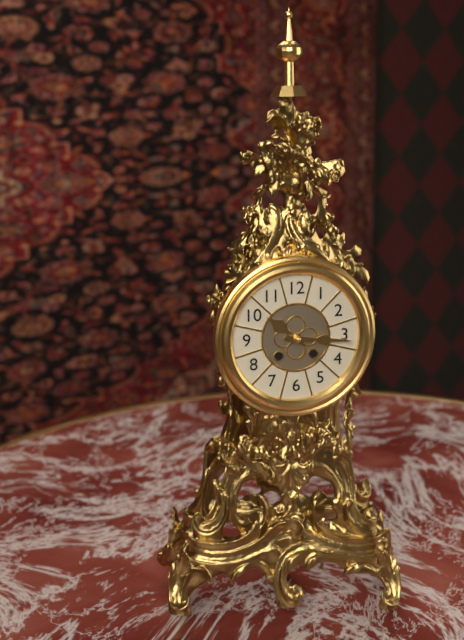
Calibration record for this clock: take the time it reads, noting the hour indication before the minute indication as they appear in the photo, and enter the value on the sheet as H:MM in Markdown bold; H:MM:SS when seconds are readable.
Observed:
**10:16**
